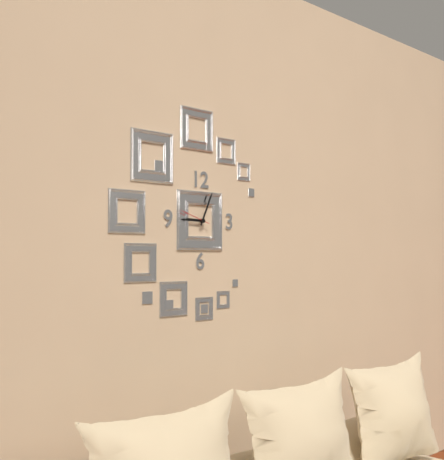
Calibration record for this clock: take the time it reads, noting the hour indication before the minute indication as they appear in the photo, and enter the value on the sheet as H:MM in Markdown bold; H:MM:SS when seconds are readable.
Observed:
**9:04**
